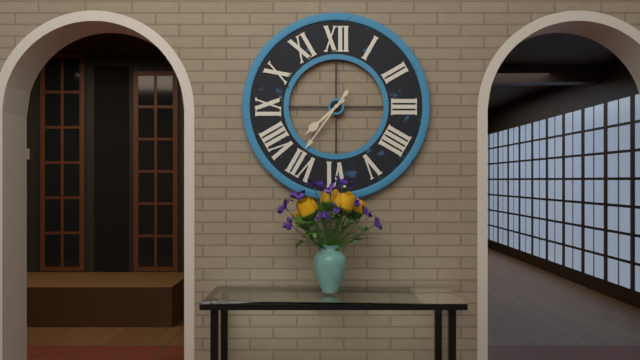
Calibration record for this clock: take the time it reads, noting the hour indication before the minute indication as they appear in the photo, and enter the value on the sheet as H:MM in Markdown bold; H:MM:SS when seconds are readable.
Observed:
**7:36**
